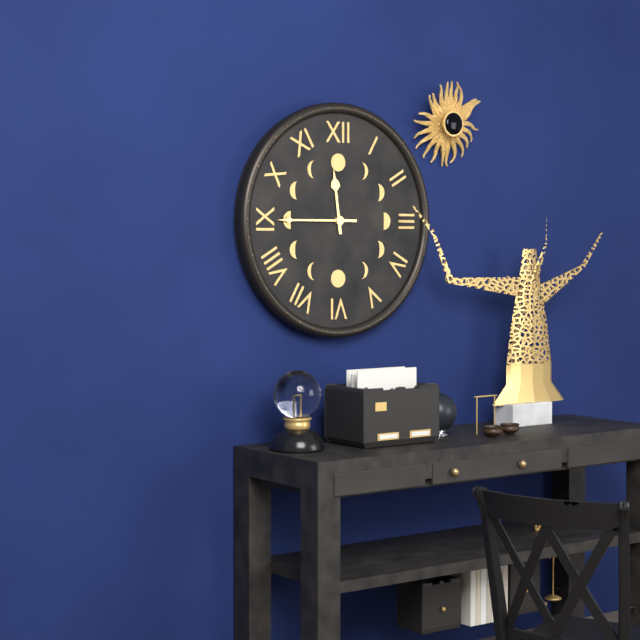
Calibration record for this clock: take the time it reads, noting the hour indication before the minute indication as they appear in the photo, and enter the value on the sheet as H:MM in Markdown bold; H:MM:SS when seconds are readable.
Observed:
**11:45**
